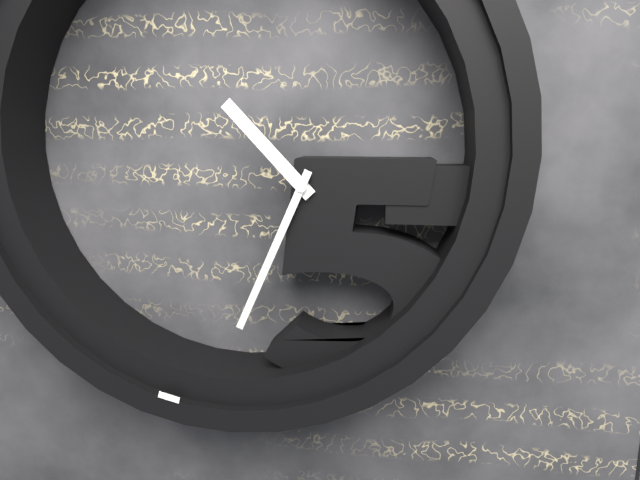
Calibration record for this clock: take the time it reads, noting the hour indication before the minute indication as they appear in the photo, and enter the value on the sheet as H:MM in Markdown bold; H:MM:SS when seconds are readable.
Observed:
**10:34**
